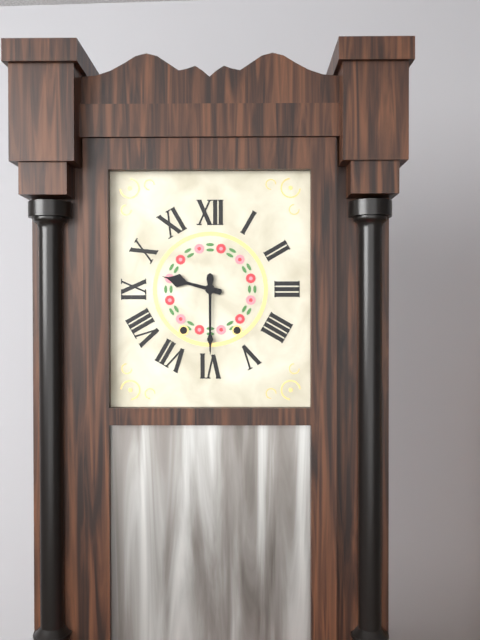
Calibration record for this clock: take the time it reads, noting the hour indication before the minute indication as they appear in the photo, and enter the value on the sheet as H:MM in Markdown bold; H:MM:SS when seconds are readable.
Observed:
**9:30**
